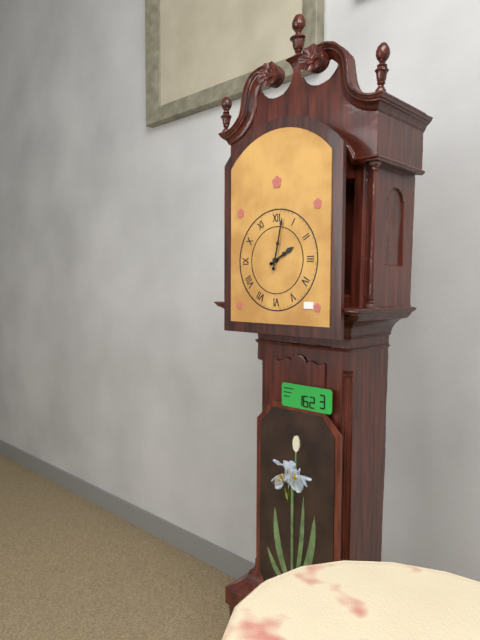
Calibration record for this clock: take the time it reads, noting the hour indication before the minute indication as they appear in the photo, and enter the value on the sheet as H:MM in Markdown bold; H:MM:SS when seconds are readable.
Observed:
**2:02**
